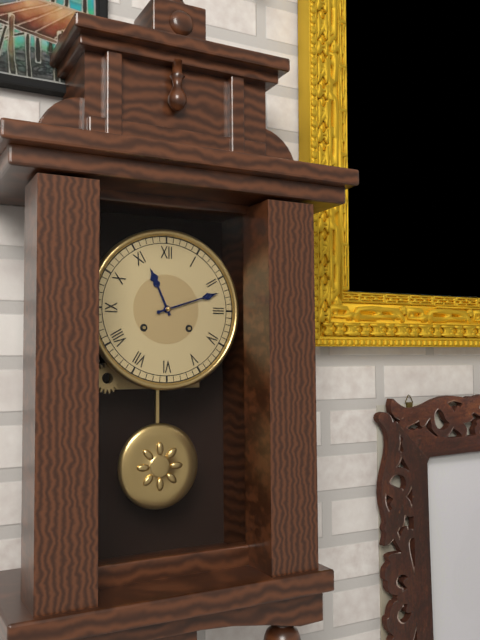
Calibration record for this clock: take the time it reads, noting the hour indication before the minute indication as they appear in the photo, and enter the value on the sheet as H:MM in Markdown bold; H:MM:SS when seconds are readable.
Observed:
**11:12**
